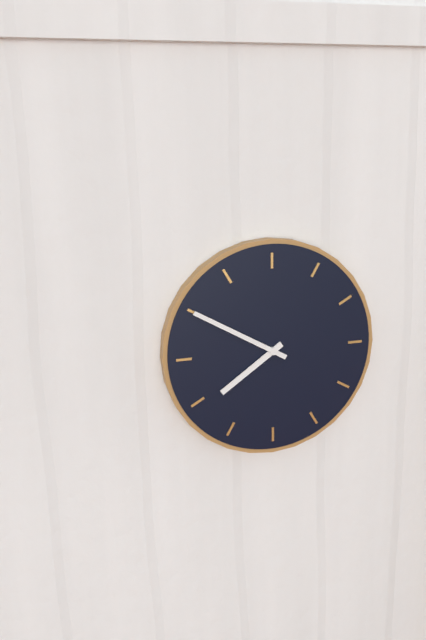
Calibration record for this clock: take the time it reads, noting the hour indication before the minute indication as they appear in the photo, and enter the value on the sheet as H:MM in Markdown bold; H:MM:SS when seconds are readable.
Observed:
**7:50**
